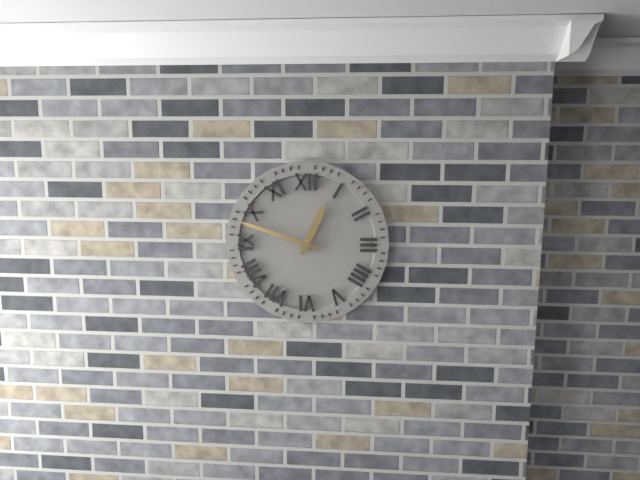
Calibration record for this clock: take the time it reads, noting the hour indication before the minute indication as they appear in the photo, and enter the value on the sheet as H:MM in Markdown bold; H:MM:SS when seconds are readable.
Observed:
**12:48**
